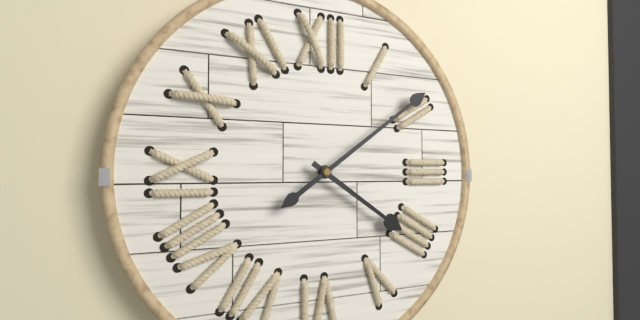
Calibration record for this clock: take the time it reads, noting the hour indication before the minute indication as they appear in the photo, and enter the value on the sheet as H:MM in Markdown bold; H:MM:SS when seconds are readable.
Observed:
**4:09**
